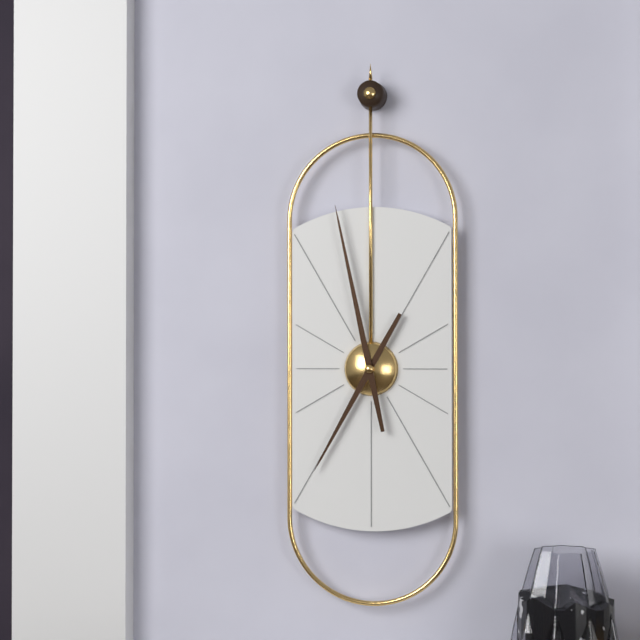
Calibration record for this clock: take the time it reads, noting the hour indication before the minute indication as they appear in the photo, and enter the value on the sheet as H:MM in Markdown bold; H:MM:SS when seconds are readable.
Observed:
**6:58**
